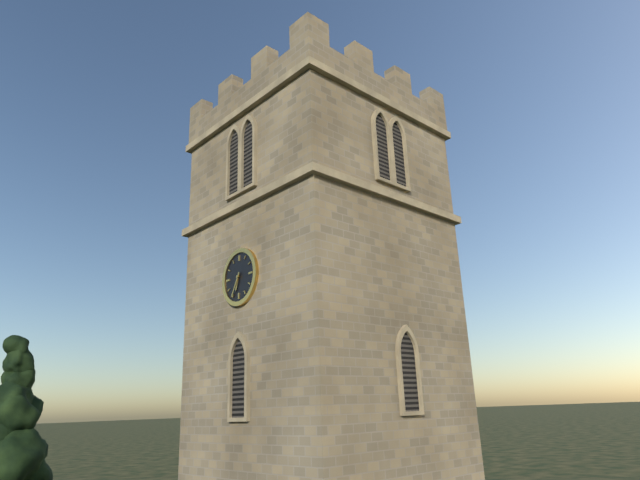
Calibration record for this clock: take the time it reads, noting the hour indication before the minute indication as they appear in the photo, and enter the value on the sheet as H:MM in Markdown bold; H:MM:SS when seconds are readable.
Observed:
**6:35**
